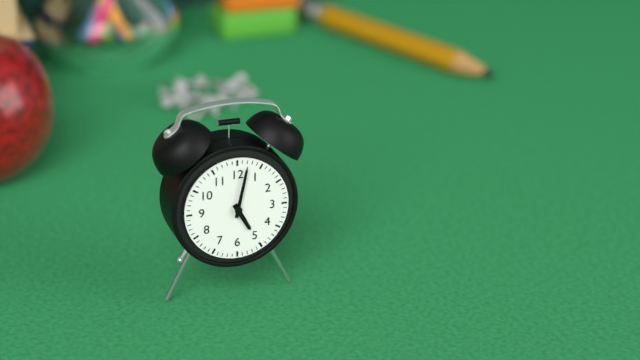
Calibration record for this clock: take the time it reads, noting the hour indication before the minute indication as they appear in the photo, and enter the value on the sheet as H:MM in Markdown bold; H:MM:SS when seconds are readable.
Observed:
**5:02**
